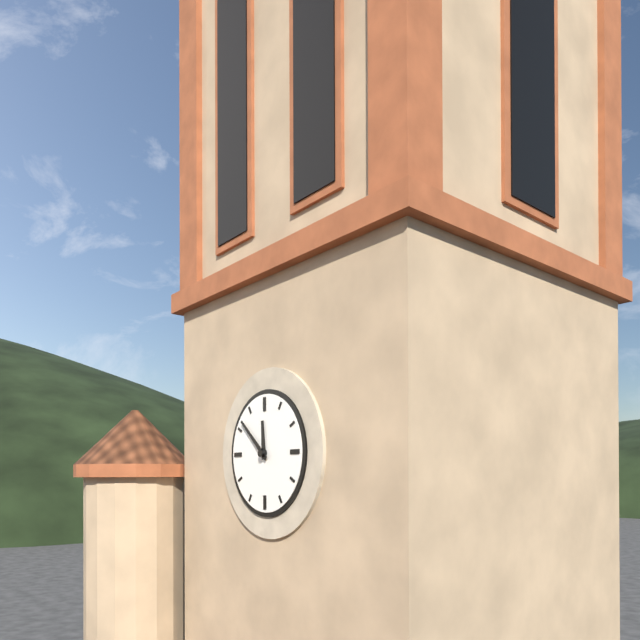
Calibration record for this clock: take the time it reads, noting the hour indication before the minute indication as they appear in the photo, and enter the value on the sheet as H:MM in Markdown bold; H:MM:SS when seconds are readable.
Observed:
**11:52**
